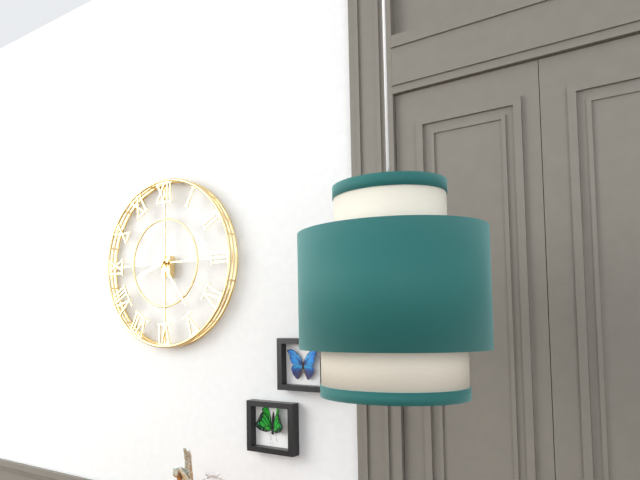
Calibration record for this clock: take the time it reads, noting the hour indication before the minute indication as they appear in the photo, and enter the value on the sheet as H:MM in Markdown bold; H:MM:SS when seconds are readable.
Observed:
**8:24**
